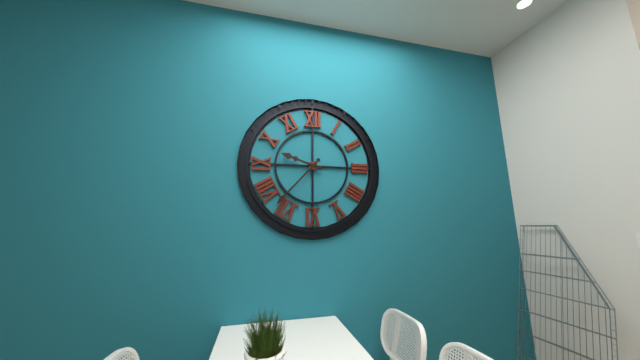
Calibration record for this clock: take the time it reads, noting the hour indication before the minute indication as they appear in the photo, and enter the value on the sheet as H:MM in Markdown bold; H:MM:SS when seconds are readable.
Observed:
**9:37**
